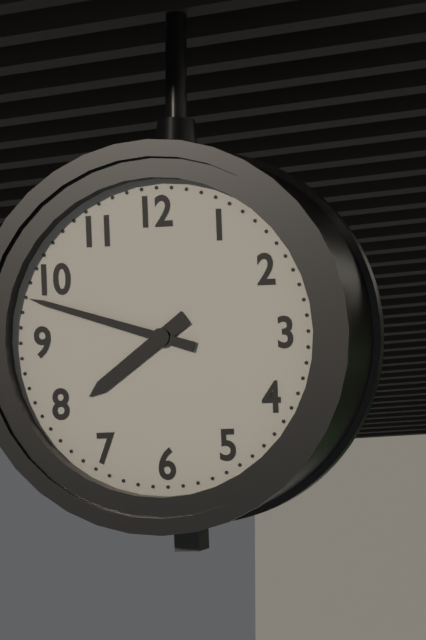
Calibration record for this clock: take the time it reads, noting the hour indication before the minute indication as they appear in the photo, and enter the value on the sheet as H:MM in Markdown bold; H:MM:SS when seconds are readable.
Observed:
**7:48**
